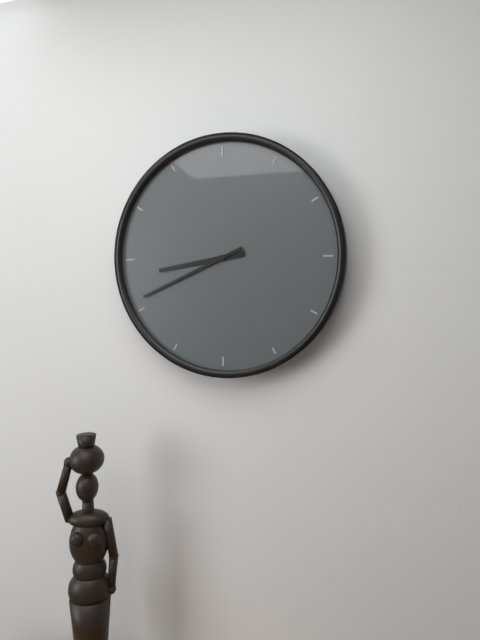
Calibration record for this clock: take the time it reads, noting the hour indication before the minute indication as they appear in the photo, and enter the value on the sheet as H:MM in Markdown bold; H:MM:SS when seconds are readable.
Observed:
**8:41**
